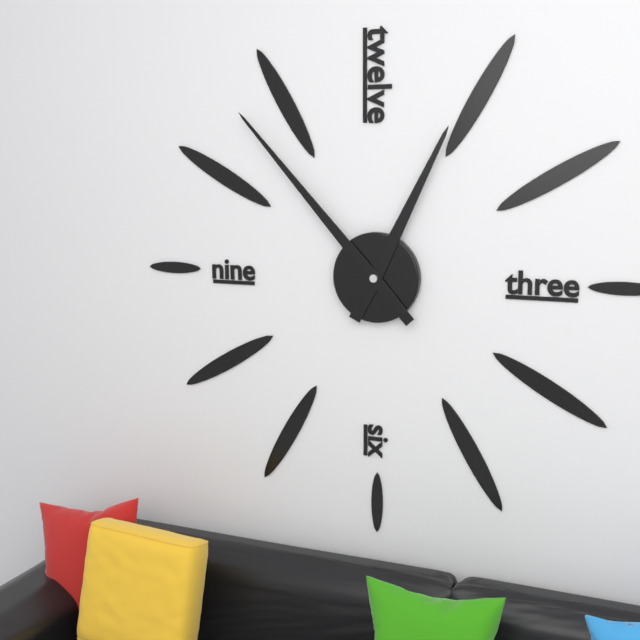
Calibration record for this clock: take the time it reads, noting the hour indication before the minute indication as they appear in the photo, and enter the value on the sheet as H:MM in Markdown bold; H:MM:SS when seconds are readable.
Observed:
**12:53**
